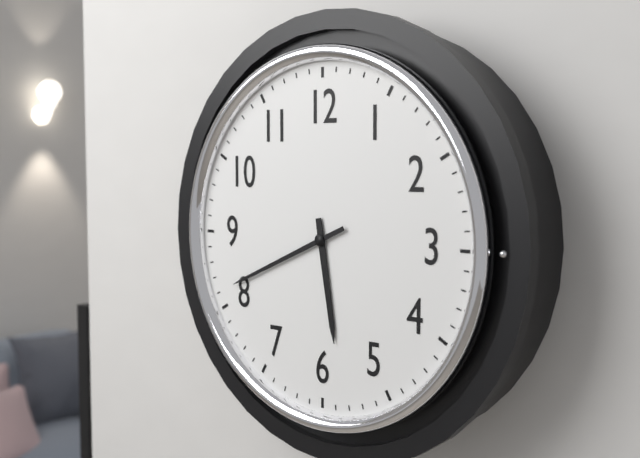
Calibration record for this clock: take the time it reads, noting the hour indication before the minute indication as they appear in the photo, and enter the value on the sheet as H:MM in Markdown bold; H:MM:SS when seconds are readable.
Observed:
**5:41**
